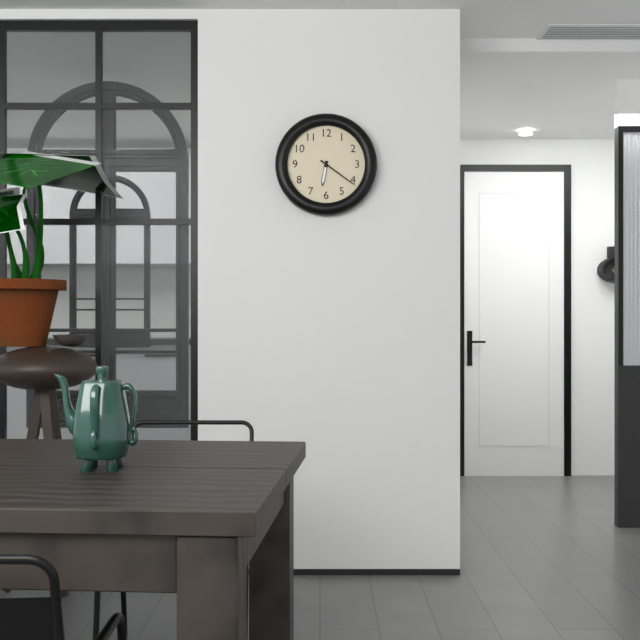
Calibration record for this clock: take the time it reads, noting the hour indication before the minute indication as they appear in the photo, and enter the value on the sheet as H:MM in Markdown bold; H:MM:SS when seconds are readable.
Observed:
**6:21**
